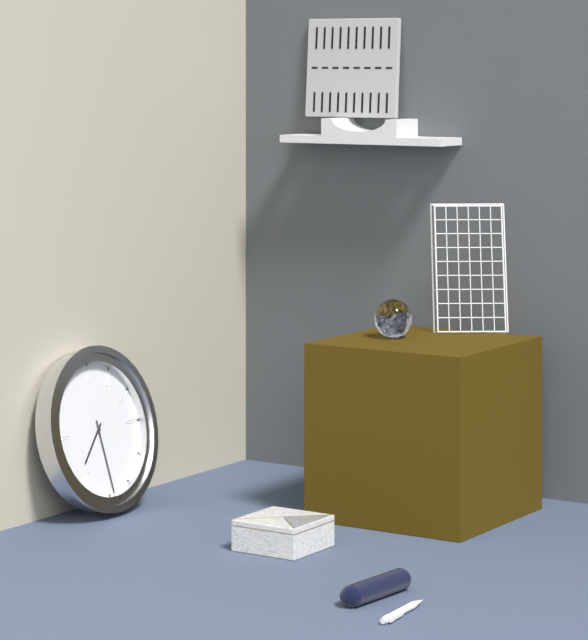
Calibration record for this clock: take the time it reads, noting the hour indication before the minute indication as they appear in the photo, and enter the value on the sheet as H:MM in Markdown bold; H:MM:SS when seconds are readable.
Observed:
**7:29**
